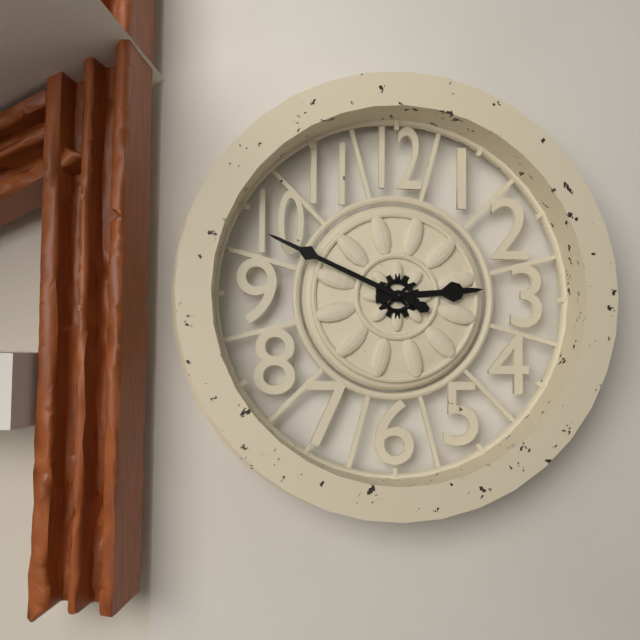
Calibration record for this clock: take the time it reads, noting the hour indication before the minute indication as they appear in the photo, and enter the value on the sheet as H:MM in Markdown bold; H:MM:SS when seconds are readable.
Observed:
**2:49**
